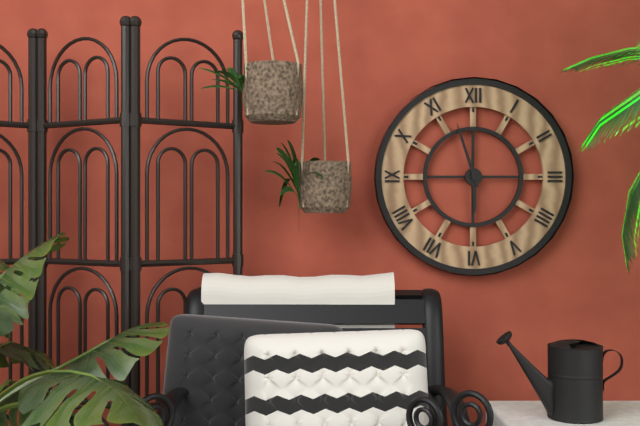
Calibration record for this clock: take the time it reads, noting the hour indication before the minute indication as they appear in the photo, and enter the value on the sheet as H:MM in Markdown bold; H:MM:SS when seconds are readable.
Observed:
**5:57**
